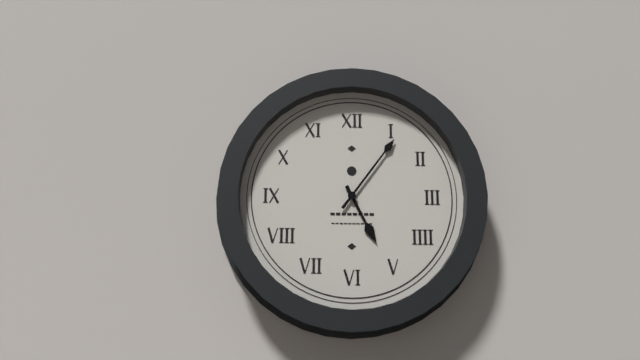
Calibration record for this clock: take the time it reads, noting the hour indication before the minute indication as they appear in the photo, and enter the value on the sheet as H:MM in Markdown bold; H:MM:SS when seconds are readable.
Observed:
**5:06**
